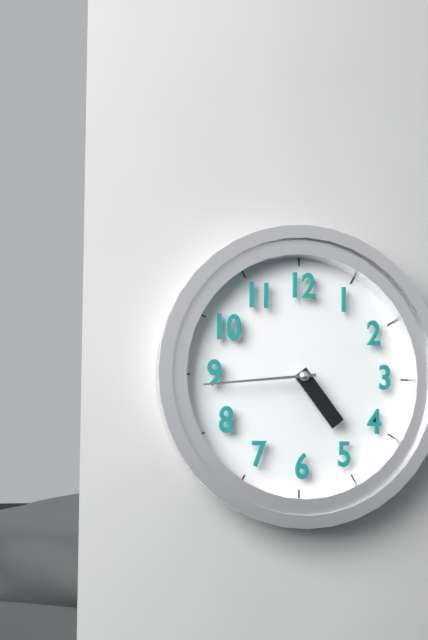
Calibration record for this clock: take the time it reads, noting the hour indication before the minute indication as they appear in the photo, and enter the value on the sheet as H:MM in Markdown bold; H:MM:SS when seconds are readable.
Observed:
**4:44**
